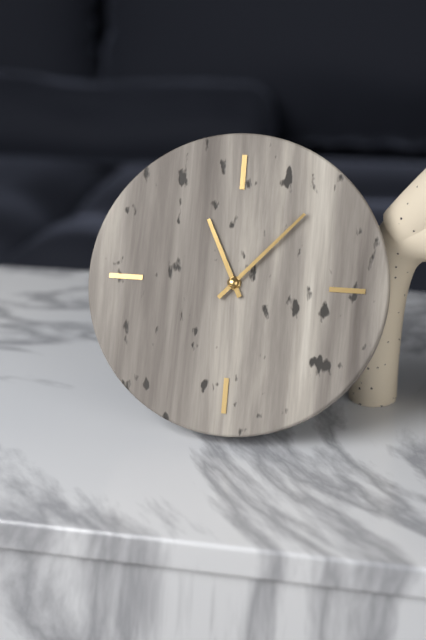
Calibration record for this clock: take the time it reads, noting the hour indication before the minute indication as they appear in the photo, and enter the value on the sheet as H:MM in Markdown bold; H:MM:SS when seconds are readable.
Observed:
**11:07**
